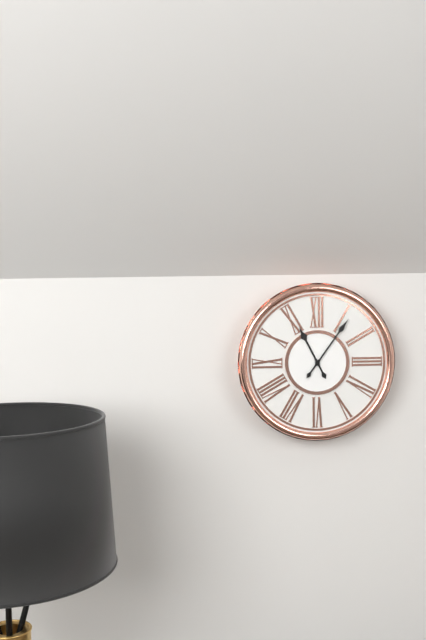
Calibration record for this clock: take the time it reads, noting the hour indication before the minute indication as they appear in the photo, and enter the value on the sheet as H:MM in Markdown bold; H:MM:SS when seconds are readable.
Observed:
**11:06**
